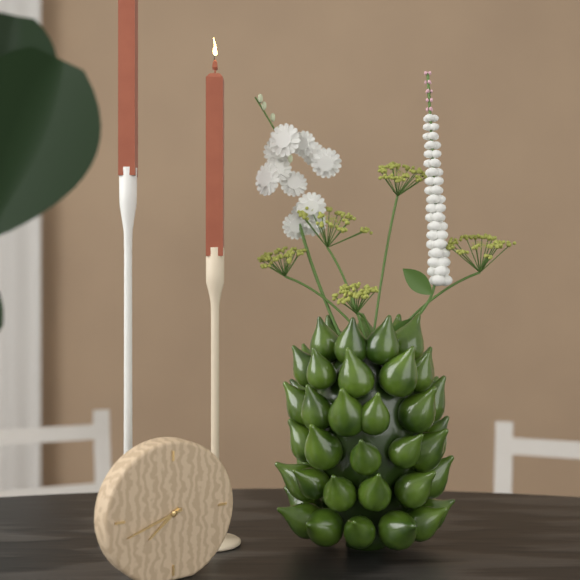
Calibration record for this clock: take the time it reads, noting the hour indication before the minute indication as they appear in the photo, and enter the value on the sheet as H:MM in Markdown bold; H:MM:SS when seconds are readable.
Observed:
**7:42**
